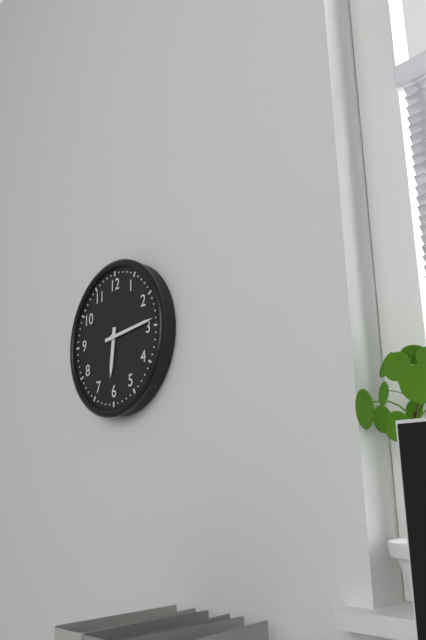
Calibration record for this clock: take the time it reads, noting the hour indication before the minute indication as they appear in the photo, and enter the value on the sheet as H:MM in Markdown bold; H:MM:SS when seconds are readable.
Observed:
**6:14**
